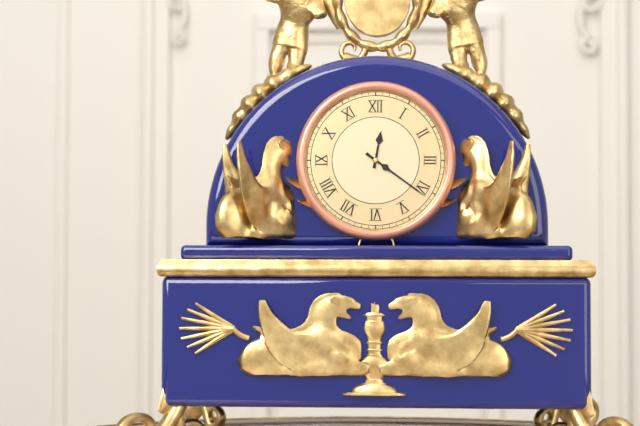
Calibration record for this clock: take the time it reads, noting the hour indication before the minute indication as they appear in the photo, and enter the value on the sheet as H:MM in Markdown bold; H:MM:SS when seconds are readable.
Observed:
**12:21**
